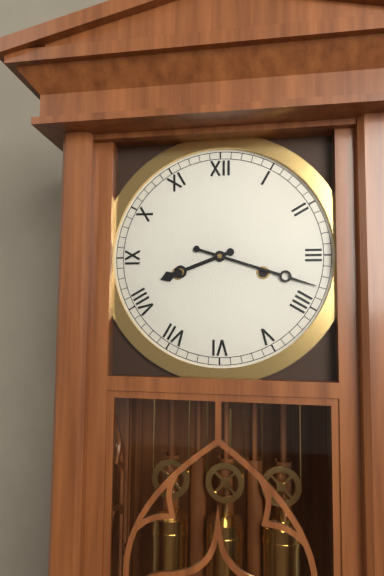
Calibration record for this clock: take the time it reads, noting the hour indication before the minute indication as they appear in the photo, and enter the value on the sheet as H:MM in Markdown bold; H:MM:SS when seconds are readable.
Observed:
**8:18**
